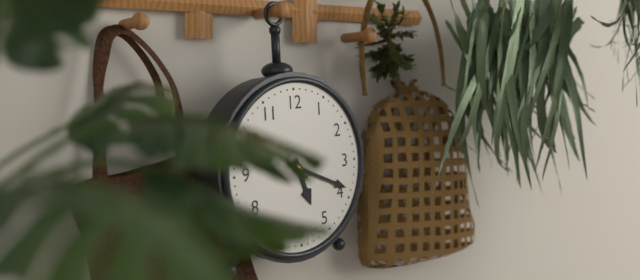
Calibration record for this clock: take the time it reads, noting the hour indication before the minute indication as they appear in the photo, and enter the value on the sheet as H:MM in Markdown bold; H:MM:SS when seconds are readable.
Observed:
**5:19**
